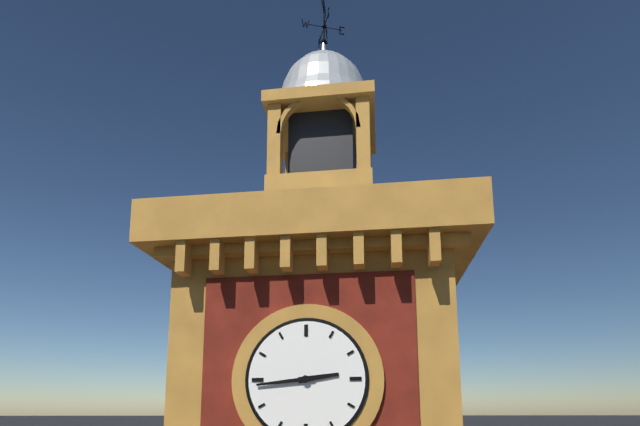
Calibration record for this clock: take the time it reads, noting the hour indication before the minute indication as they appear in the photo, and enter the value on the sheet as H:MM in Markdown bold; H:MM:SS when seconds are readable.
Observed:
**2:44**
